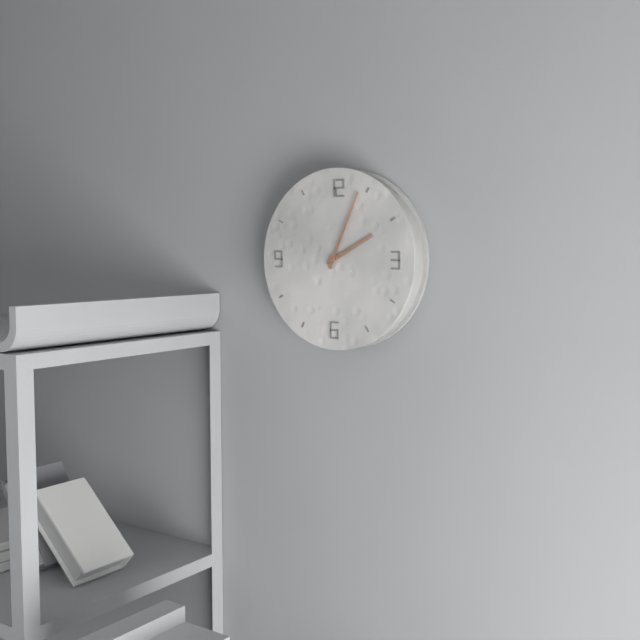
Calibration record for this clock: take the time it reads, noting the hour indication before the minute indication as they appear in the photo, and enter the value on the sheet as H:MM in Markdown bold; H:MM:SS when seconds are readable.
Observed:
**2:04**
